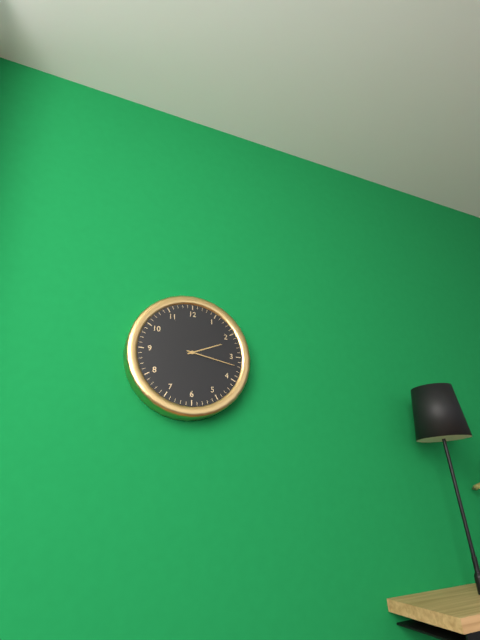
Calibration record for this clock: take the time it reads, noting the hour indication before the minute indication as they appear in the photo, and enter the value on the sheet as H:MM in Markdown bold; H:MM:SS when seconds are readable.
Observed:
**2:17**
